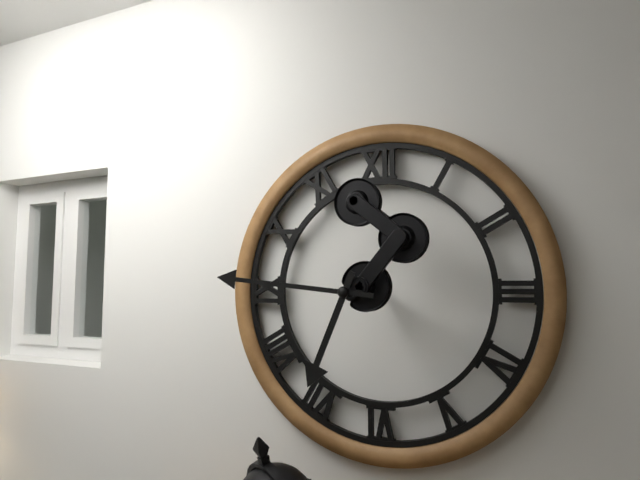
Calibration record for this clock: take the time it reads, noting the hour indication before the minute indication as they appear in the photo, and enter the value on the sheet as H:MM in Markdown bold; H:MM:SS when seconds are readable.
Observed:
**6:46**
